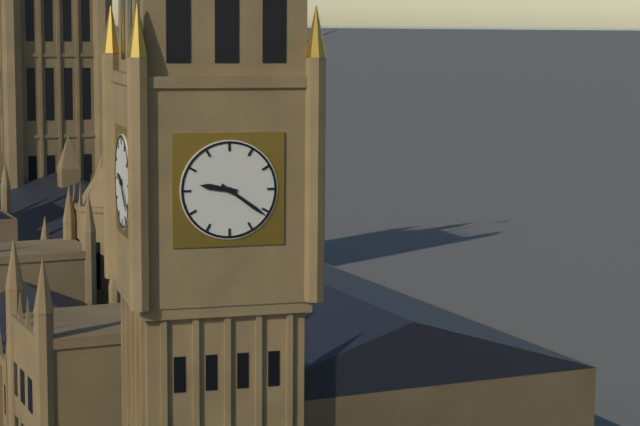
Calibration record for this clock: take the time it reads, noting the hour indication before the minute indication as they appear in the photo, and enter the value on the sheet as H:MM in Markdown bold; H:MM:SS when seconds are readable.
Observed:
**9:21**
